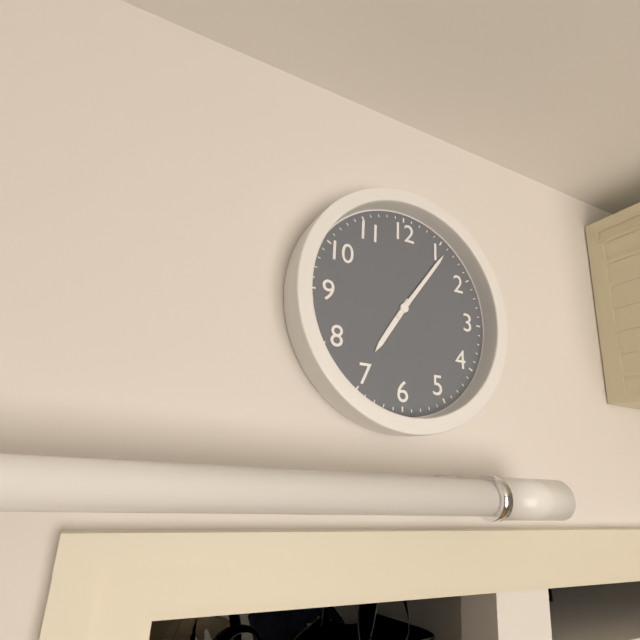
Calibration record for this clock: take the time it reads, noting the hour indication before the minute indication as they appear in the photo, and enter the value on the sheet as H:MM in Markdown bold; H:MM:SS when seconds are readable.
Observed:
**7:06**
